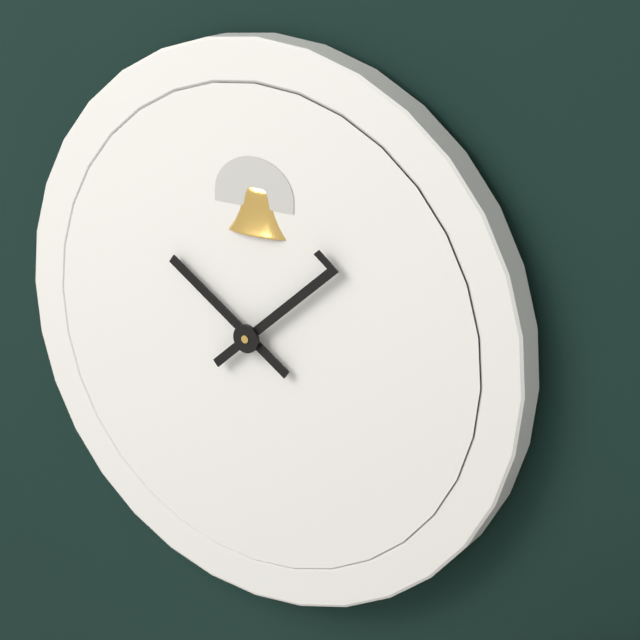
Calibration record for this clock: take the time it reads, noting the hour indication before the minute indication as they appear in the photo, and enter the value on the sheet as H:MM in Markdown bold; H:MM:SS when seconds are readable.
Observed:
**10:08**
